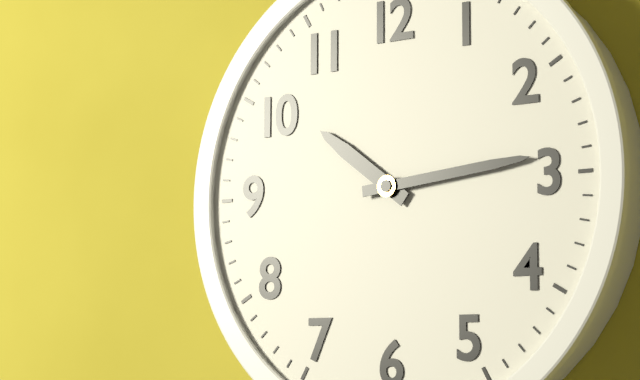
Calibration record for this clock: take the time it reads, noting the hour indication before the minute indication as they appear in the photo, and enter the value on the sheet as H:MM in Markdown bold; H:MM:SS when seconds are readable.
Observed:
**10:14**
